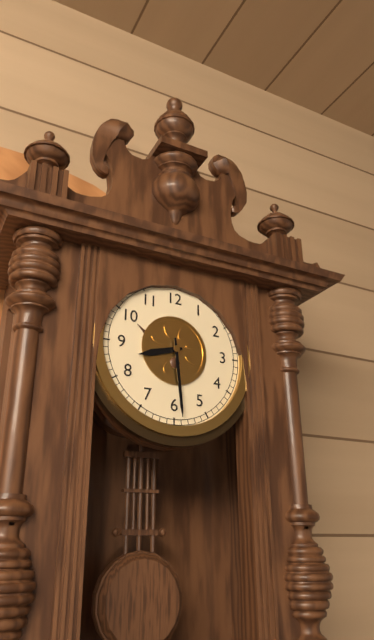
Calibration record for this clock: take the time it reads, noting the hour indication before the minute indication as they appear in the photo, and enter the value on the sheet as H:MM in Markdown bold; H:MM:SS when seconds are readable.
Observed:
**8:29**
